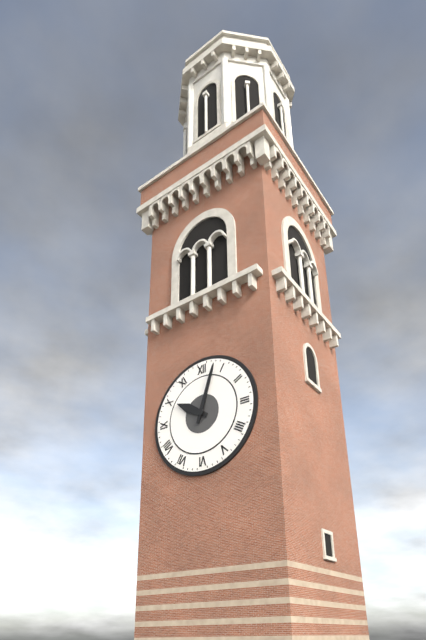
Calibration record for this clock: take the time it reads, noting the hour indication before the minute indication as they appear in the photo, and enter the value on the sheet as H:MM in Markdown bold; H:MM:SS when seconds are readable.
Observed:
**10:03**
